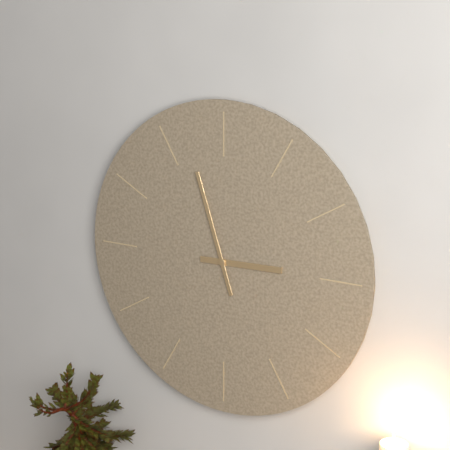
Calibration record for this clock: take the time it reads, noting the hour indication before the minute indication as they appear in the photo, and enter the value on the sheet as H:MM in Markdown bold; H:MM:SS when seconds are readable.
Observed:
**2:57**
